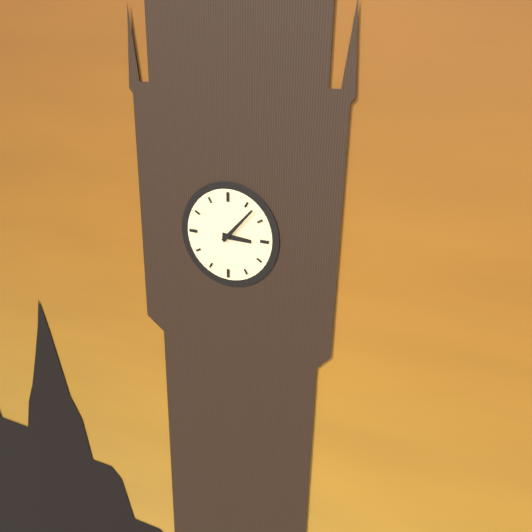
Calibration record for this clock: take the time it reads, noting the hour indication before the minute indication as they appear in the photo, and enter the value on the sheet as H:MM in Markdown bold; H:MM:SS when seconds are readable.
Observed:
**3:07**
